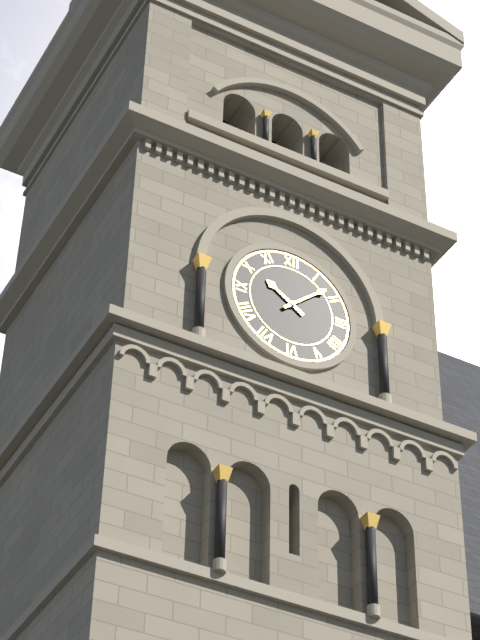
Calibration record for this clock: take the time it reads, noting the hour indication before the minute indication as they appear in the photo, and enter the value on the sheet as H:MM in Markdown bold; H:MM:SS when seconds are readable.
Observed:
**10:08**
